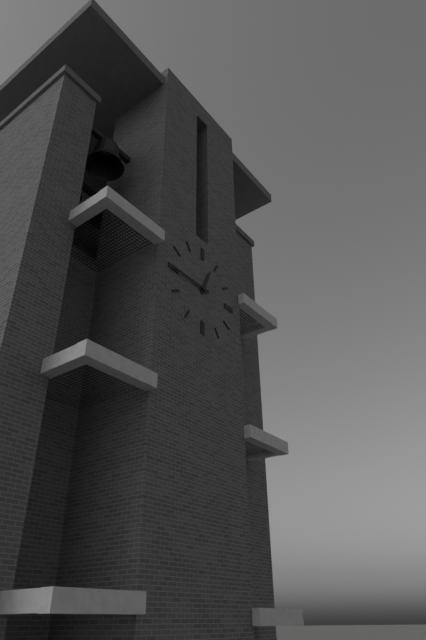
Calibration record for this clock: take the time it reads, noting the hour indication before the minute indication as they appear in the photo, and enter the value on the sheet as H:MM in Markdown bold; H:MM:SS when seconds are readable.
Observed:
**12:45**
